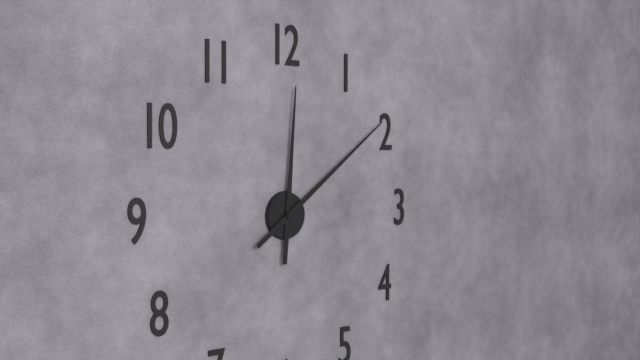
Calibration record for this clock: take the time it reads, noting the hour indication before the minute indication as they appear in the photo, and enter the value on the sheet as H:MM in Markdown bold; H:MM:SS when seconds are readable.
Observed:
**12:09**
